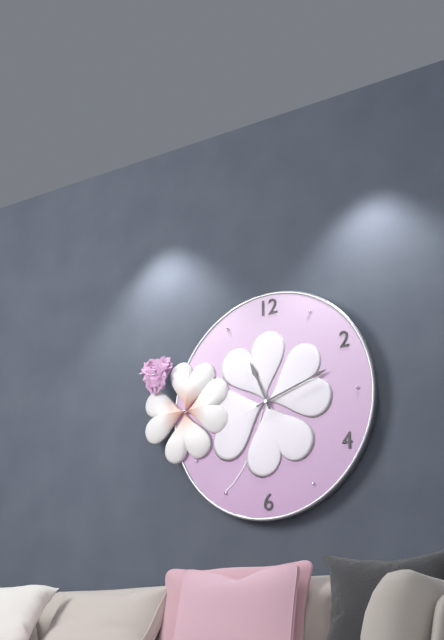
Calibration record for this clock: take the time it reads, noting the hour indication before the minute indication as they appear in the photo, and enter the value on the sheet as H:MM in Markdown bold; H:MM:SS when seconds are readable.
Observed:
**11:12**
